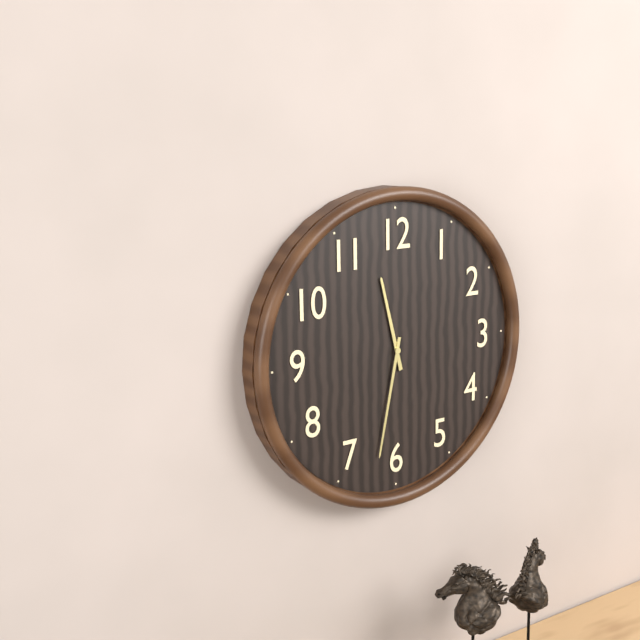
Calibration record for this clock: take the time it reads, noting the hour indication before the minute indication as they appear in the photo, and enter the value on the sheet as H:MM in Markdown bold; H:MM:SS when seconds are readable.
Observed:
**11:32**
